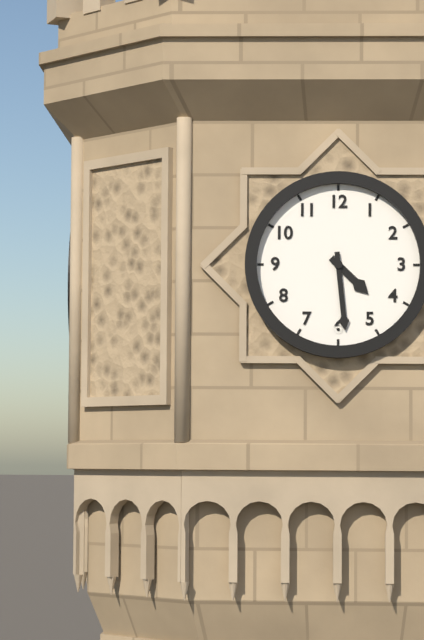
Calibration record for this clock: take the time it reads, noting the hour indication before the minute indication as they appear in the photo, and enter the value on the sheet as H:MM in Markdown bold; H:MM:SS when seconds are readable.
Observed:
**4:29**
